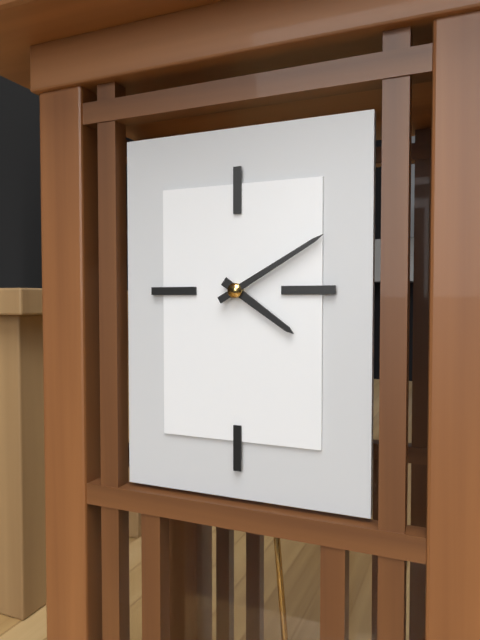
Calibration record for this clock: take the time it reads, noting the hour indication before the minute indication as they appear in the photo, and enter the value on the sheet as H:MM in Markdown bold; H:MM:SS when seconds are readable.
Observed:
**4:10**
